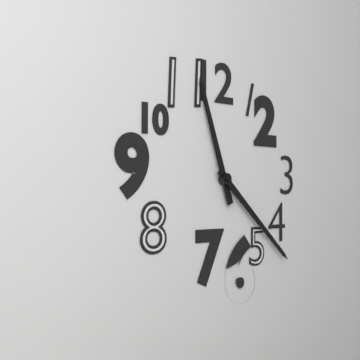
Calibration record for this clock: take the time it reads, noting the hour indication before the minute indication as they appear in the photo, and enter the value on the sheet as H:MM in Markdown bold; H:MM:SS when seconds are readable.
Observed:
**11:22**
